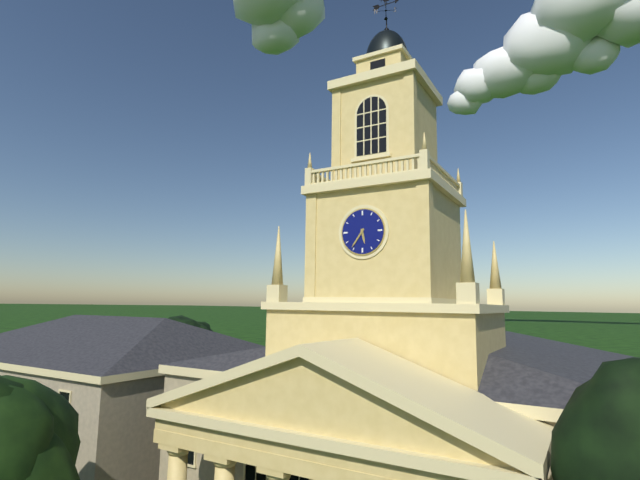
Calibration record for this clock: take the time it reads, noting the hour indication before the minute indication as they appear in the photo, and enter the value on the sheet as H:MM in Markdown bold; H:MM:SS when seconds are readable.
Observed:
**5:36**
